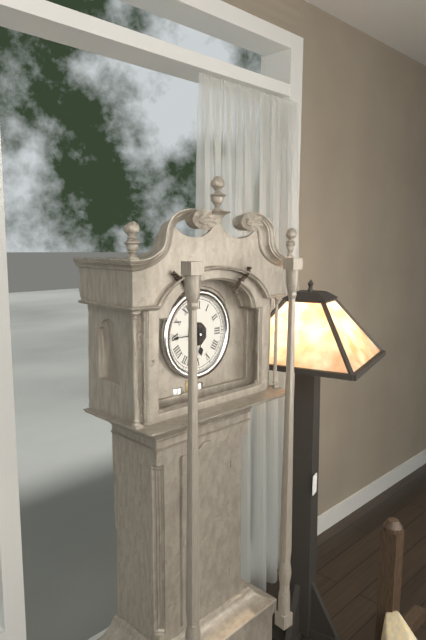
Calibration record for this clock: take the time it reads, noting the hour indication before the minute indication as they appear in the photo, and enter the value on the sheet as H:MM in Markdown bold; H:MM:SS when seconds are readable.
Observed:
**5:45**
